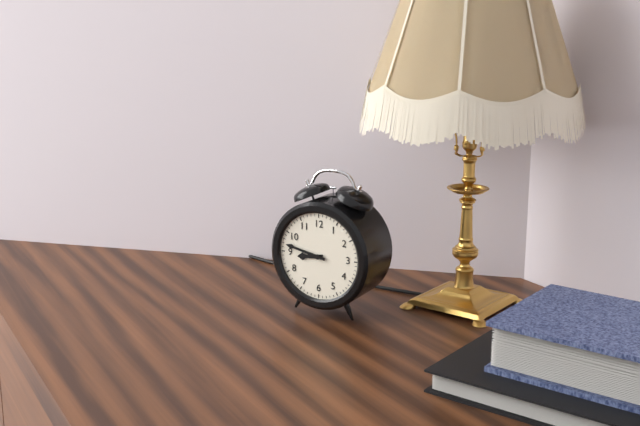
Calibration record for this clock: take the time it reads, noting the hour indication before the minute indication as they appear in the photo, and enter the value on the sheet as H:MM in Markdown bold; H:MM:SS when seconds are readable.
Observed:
**8:47**
